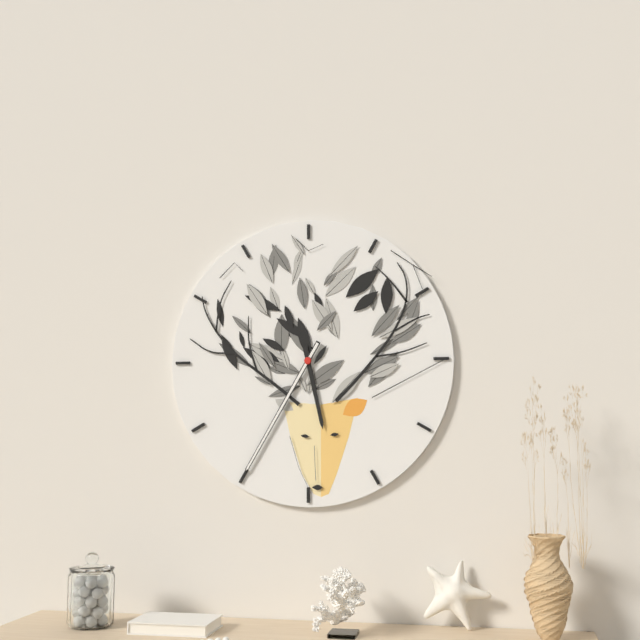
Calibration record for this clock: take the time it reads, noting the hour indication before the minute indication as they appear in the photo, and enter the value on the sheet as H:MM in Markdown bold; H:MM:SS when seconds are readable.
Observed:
**5:35**
